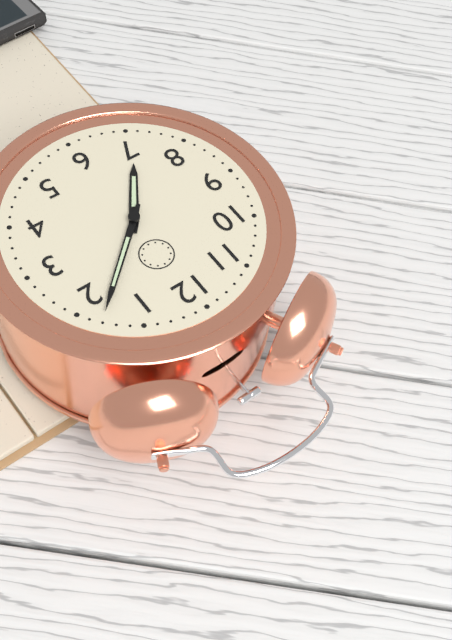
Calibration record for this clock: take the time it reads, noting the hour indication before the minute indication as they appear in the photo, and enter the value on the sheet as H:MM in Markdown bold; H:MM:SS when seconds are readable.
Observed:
**7:08**
